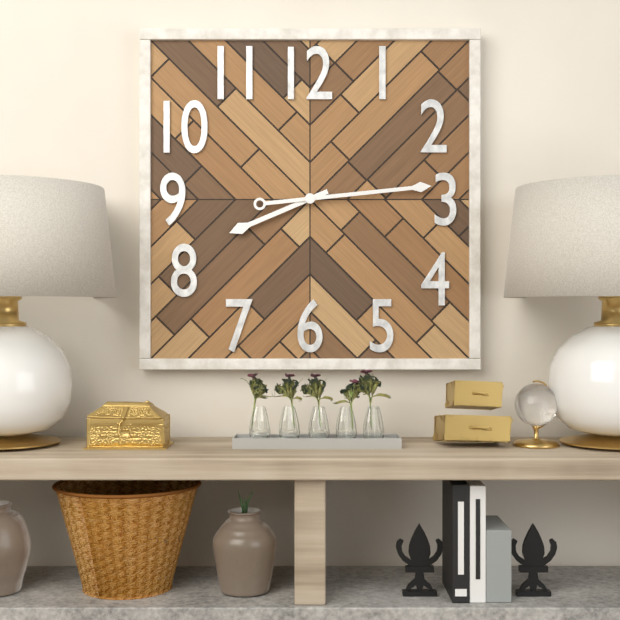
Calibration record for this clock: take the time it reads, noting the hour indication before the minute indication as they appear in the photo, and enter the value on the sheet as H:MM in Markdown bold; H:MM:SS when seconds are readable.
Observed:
**8:14**
